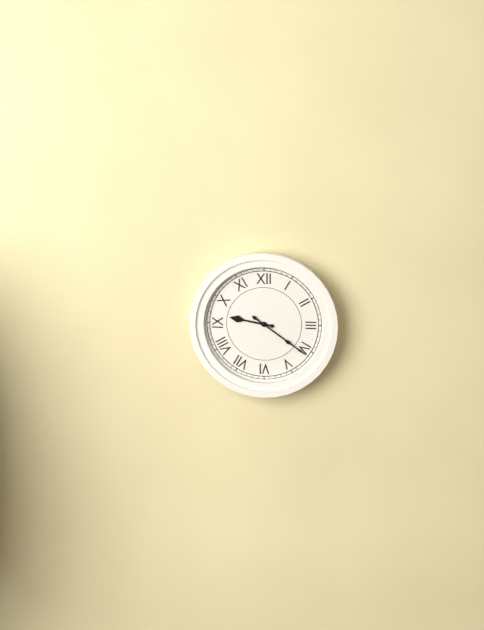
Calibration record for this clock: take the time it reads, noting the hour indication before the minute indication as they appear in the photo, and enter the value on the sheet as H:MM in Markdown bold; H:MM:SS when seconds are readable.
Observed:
**9:21**
